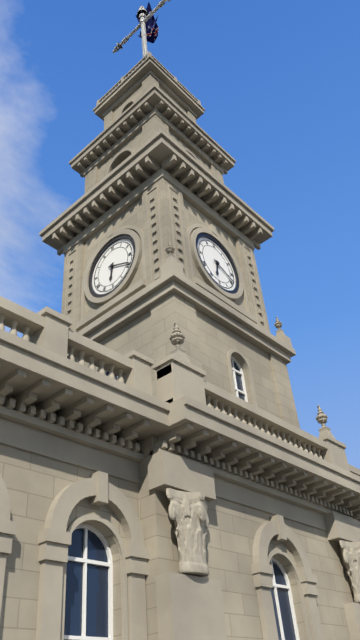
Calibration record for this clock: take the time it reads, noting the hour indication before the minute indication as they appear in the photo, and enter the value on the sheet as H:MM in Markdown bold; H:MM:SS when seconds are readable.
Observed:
**6:19**
